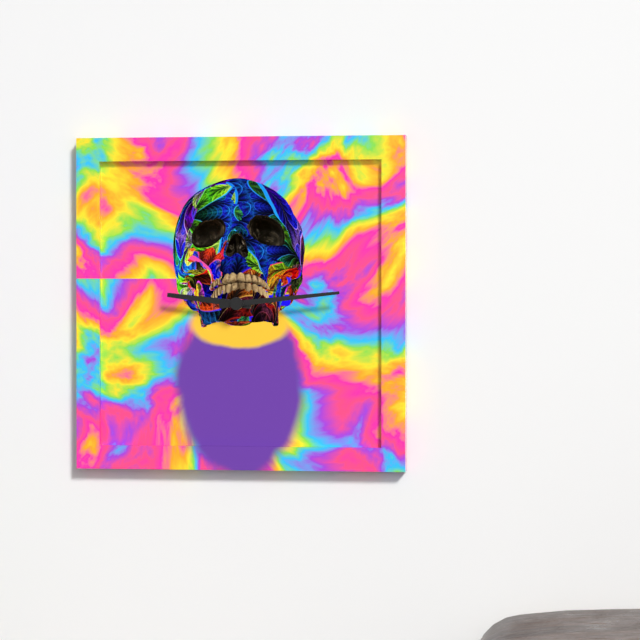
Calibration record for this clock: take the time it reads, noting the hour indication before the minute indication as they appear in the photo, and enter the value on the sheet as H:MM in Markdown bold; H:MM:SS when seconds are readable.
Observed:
**9:14**
